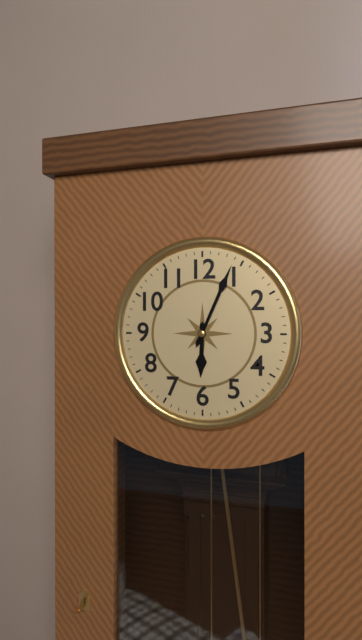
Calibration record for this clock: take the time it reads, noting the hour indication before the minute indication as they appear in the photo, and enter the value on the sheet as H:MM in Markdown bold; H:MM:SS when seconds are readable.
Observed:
**6:04**
